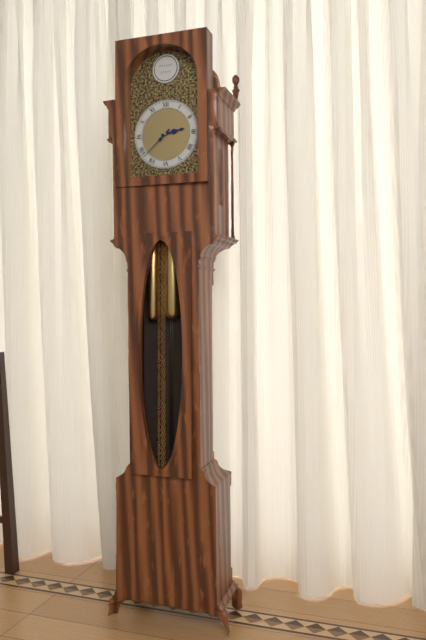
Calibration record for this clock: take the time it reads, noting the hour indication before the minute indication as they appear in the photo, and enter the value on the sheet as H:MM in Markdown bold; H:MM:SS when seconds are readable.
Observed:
**2:38**
